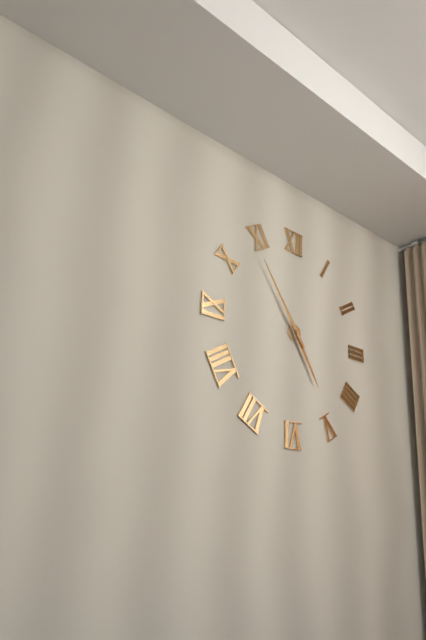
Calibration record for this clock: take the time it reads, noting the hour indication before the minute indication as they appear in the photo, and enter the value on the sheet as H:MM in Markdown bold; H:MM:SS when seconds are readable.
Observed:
**4:54**
